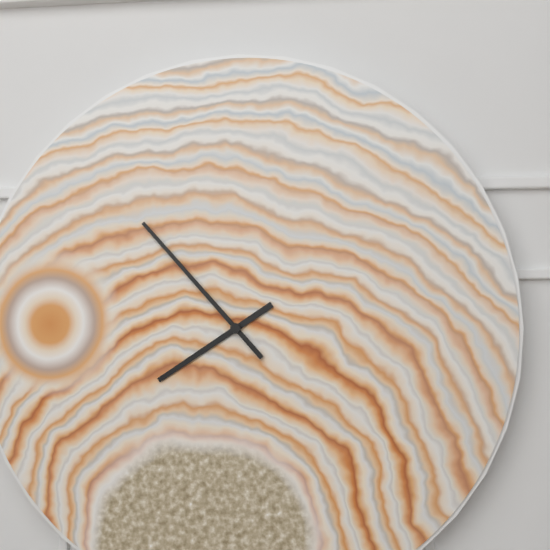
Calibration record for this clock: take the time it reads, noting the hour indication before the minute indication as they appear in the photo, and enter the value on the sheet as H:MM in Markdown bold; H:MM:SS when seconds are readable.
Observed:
**7:53**
